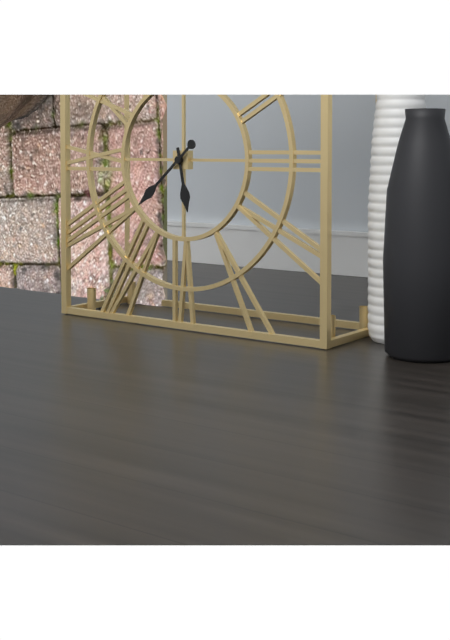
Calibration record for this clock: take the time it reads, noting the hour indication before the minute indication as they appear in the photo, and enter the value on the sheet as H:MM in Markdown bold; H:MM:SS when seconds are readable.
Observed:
**5:38**
